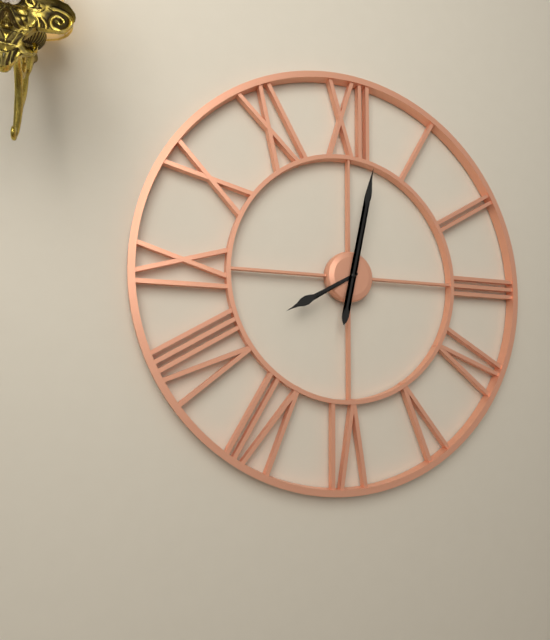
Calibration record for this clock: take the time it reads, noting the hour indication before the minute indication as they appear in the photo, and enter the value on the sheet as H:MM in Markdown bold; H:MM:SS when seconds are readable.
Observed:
**8:02**
